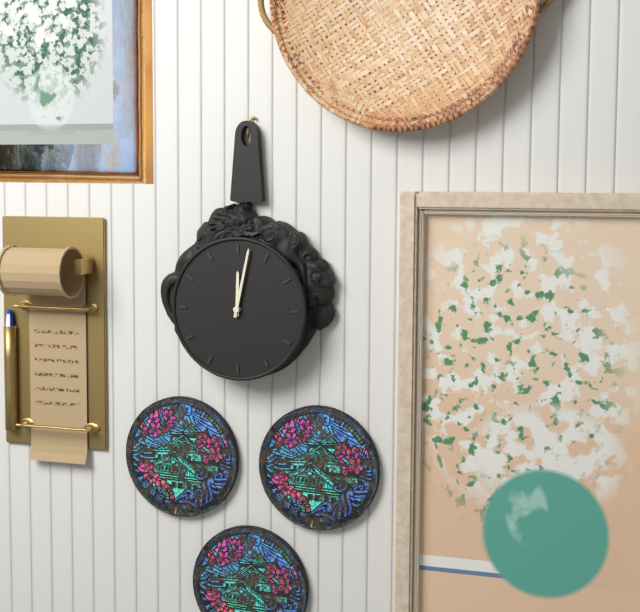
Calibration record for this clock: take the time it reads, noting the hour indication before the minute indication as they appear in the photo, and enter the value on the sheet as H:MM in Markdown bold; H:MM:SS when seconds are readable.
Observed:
**12:02**
